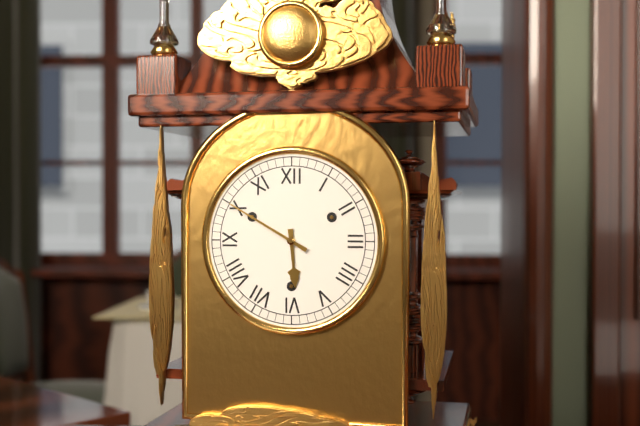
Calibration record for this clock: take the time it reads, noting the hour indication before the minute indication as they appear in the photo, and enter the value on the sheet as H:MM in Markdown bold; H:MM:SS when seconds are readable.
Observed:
**5:50**
